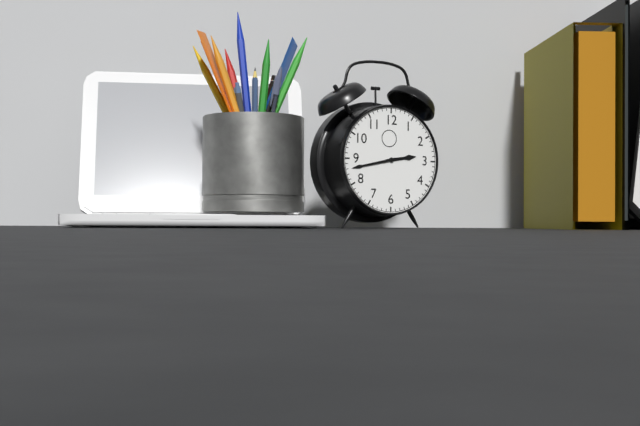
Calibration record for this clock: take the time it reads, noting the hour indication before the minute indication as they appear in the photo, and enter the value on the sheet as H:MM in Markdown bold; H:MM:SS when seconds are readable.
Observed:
**2:43**
